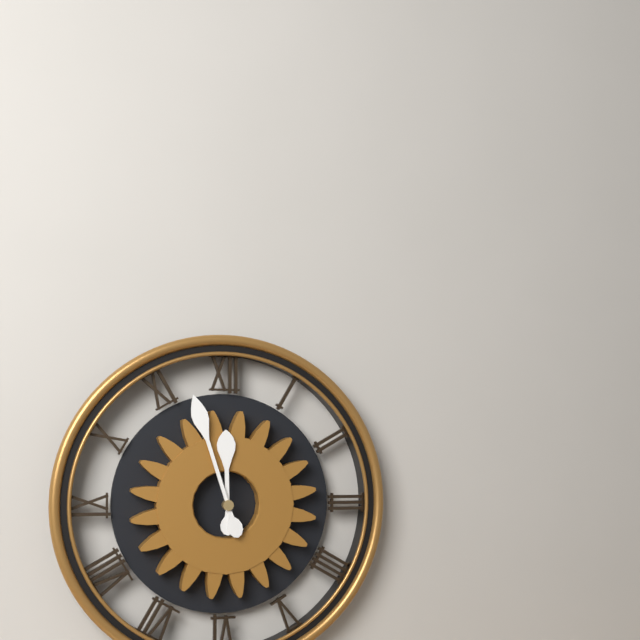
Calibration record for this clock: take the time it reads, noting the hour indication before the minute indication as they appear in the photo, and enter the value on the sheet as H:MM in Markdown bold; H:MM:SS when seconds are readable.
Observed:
**11:57**
